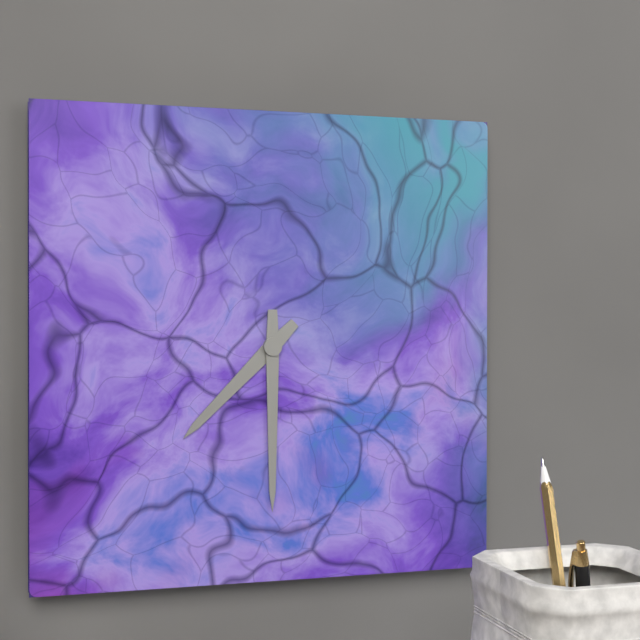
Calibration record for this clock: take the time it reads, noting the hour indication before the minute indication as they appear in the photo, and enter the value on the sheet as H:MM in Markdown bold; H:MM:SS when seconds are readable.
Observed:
**7:30**
